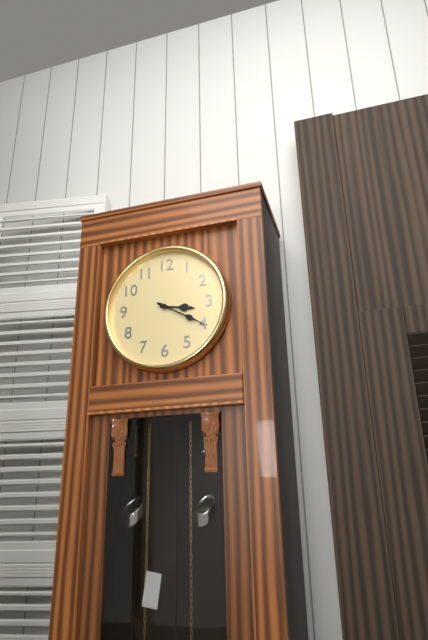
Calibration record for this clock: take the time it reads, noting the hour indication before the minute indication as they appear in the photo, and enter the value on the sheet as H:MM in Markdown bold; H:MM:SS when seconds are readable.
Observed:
**3:20**
